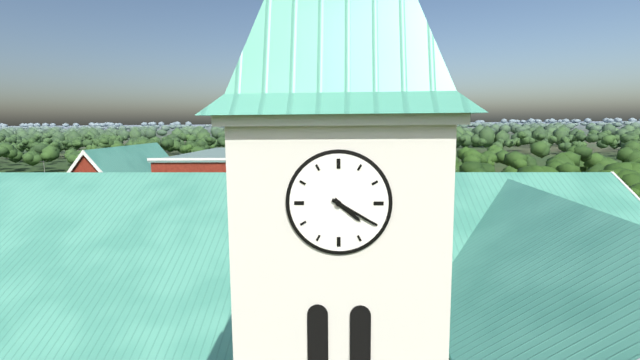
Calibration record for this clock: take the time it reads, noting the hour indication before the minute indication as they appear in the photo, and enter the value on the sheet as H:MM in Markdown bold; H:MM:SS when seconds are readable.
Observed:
**4:20**
